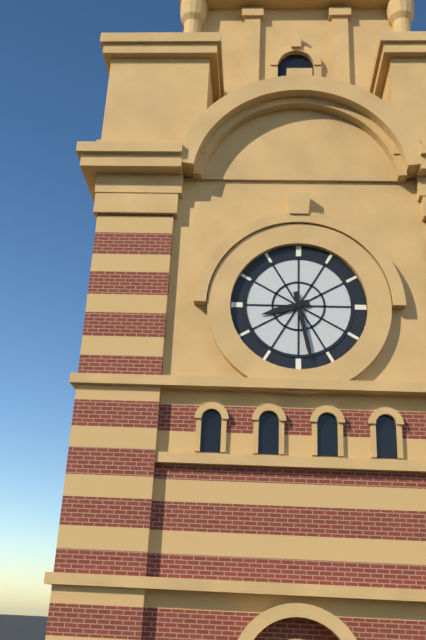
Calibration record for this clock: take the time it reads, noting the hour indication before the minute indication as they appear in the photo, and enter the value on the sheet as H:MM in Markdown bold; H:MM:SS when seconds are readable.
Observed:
**8:28**
